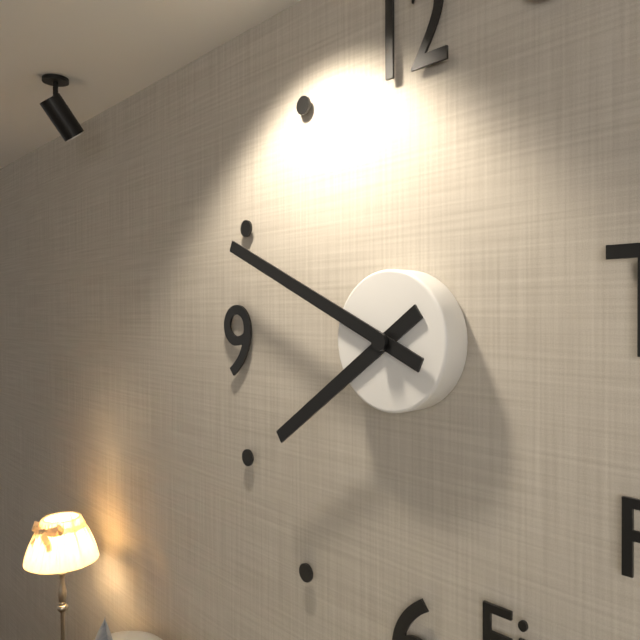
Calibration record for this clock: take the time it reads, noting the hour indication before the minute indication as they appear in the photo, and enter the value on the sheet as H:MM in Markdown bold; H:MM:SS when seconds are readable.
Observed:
**7:49**
